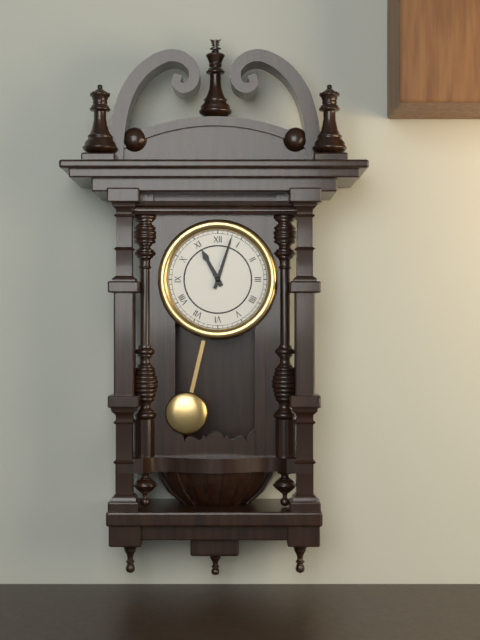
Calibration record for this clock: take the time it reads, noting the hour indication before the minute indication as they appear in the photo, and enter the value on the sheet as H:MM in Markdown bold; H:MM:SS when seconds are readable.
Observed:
**11:03**
